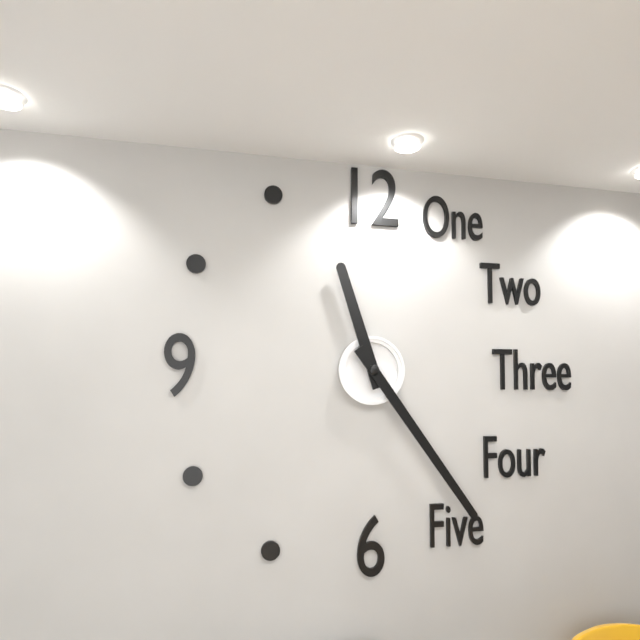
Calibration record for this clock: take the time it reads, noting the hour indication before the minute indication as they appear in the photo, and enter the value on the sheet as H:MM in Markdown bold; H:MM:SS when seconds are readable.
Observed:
**11:24**
